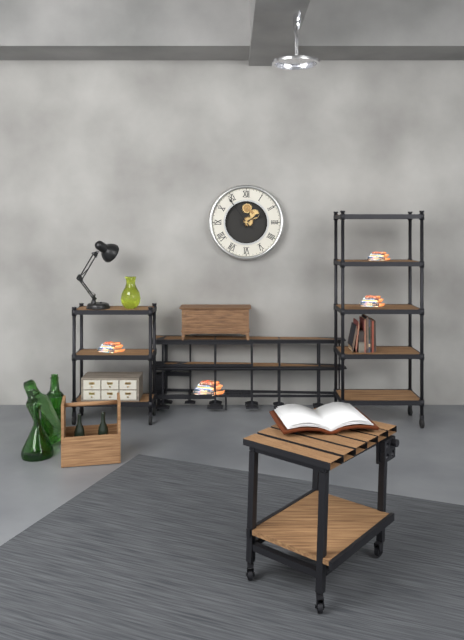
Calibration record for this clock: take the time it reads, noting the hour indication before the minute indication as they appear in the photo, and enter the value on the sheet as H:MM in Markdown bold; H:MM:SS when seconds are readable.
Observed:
**1:54**
